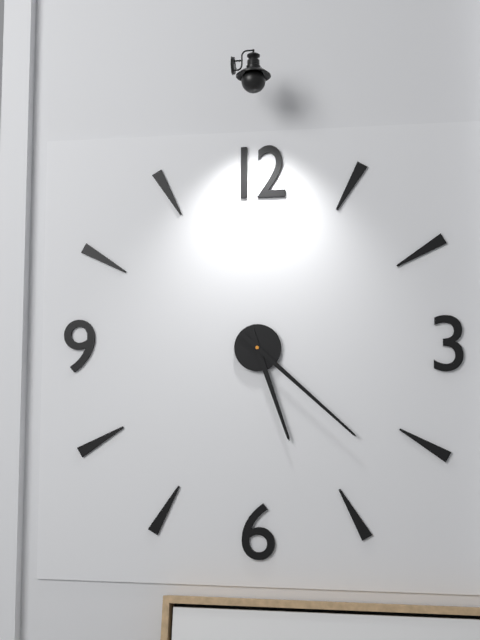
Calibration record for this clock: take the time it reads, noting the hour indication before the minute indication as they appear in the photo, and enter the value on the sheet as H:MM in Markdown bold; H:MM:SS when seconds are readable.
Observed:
**5:22**
